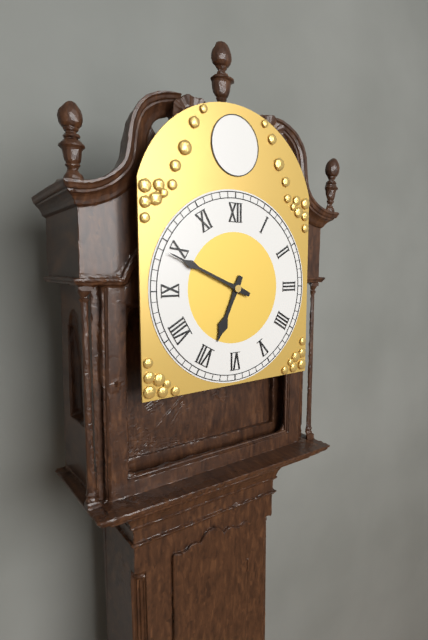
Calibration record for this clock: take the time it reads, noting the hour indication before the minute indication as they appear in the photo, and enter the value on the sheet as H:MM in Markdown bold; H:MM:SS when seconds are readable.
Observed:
**6:49**
